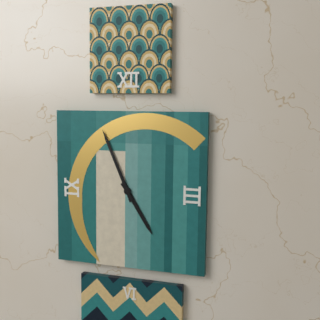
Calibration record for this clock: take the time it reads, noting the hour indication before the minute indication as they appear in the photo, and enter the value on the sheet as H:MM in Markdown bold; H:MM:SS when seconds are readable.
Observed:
**4:56**
